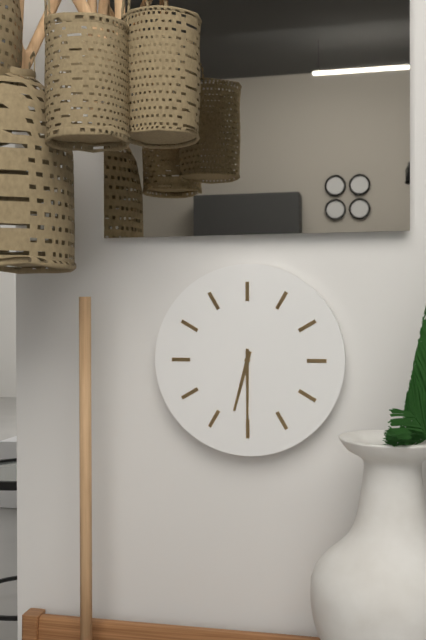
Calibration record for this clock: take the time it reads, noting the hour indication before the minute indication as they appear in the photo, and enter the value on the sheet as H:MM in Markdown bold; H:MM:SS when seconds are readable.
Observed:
**6:30**
